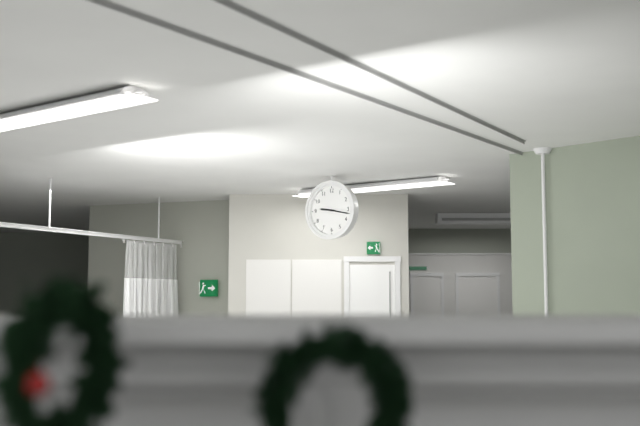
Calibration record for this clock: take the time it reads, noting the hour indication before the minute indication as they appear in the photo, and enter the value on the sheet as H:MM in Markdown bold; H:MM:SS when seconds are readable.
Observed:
**9:17**
